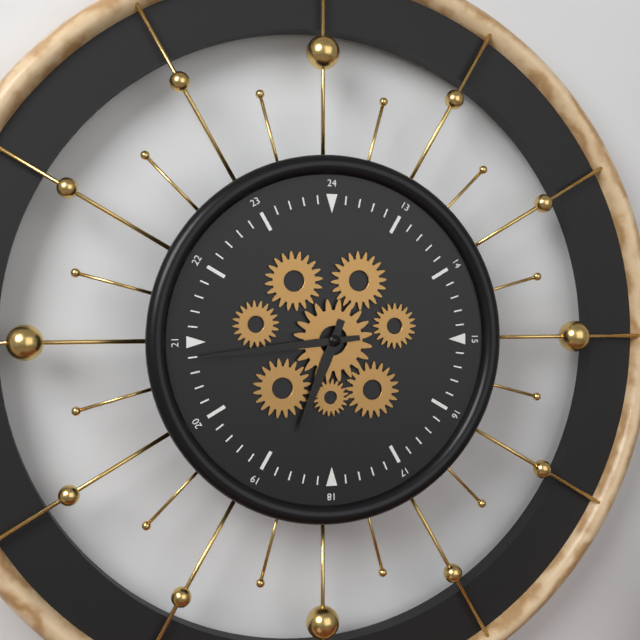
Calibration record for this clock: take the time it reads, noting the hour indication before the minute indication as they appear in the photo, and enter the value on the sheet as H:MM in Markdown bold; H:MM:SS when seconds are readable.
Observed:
**6:44**
